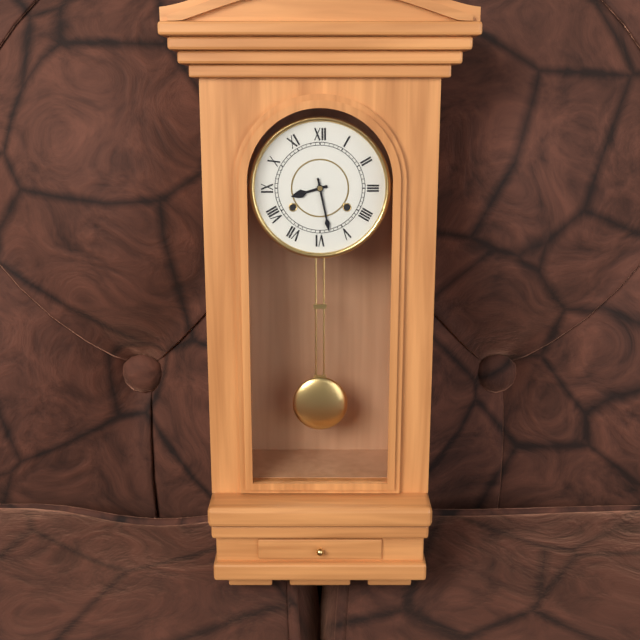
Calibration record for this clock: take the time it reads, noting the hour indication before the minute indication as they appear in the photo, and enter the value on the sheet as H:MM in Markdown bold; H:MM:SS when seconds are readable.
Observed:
**8:28**
